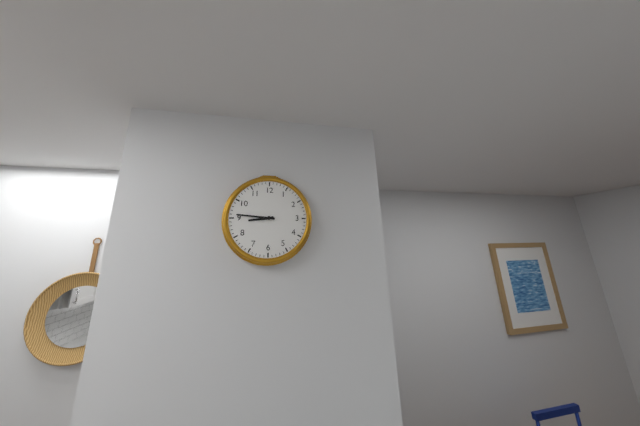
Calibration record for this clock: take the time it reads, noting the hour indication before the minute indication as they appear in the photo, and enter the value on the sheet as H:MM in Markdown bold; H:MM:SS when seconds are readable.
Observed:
**8:46**
